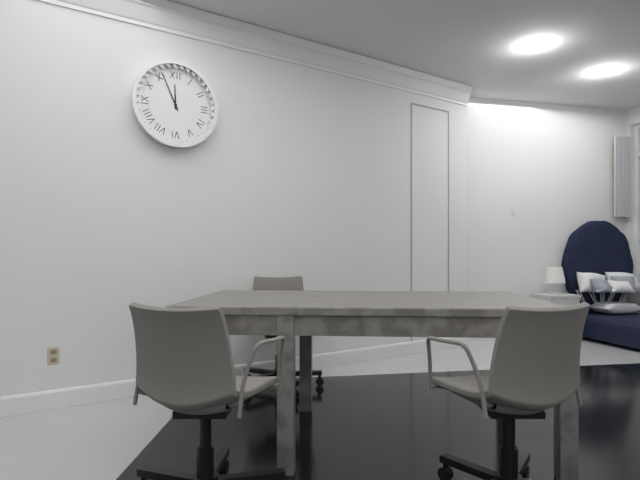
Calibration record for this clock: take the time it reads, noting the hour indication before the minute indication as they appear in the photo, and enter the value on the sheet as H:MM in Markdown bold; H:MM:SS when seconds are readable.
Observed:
**11:56**
